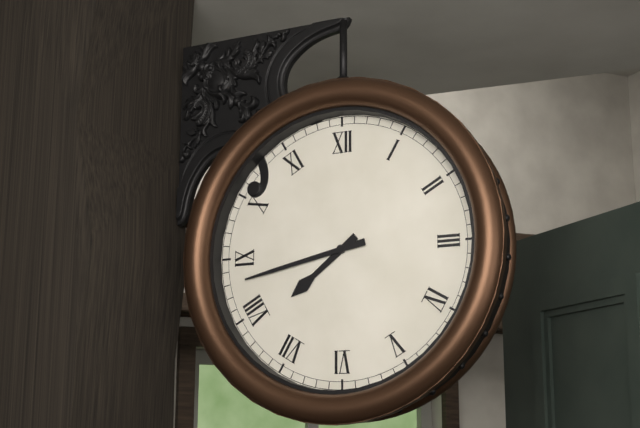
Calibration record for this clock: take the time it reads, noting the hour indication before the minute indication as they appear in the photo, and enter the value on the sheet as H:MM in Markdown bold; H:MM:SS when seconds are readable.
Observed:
**7:43**
